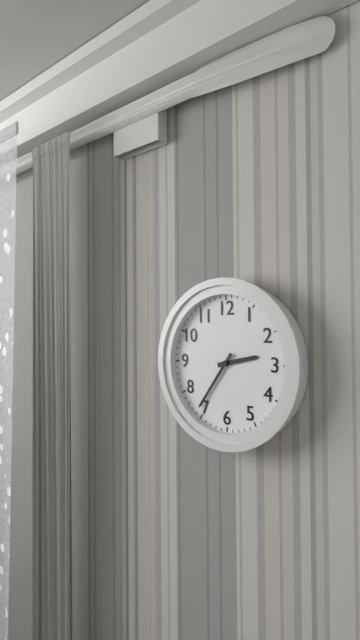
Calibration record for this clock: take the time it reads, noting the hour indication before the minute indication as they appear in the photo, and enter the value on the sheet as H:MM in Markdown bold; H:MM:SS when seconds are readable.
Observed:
**2:36**
